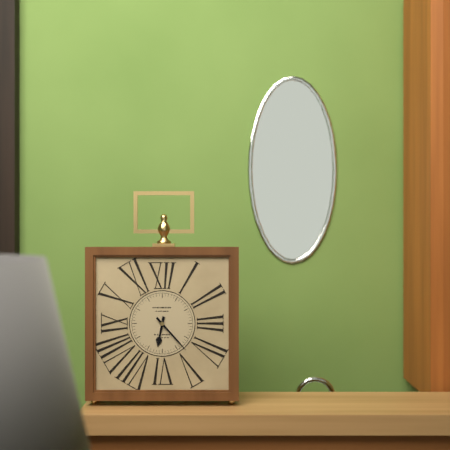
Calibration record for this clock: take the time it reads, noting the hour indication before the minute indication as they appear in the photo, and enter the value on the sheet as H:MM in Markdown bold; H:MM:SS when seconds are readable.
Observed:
**6:23**
